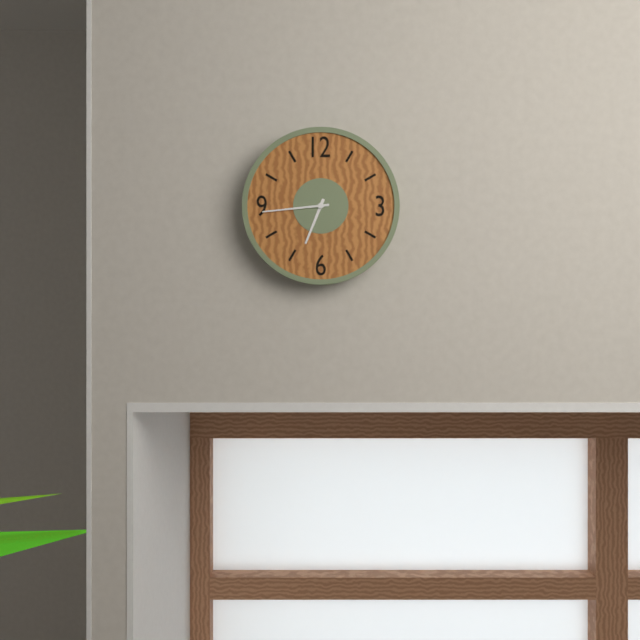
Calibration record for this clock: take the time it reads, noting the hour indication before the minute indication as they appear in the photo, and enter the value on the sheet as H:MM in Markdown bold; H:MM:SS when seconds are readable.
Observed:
**6:44**
